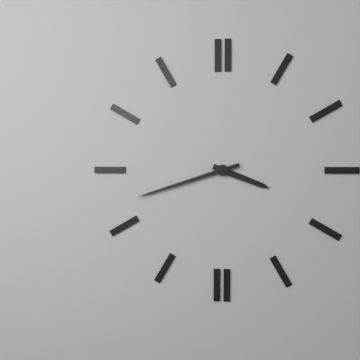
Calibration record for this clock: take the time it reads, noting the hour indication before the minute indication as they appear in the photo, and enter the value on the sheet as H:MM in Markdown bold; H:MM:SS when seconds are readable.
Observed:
**3:42**
